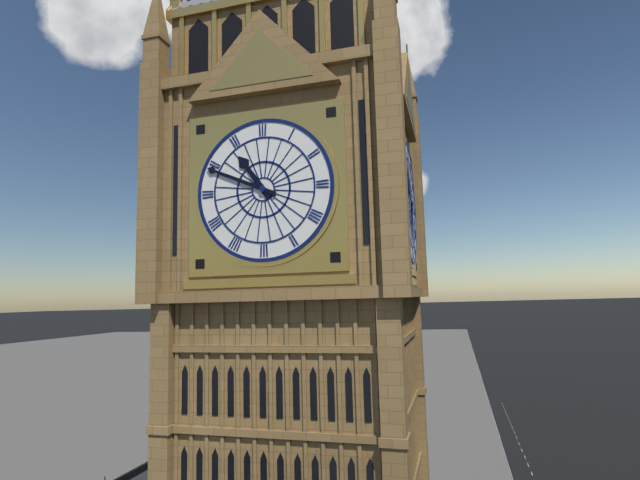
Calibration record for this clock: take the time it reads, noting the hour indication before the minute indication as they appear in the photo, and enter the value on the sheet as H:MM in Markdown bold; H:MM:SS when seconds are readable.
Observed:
**10:49**
